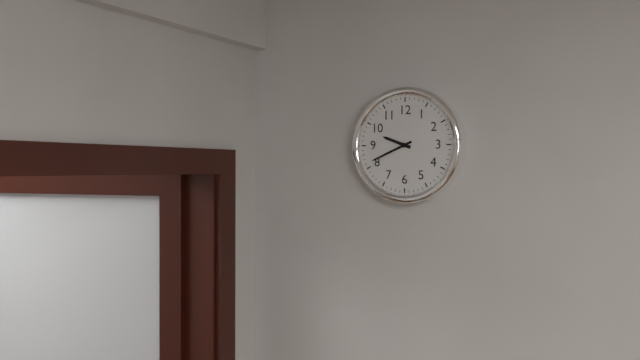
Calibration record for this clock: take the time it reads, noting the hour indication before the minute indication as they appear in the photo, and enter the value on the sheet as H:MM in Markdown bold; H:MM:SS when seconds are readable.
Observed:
**9:41**
